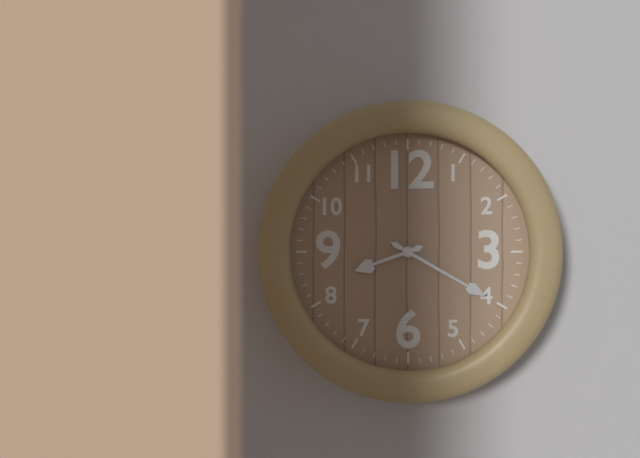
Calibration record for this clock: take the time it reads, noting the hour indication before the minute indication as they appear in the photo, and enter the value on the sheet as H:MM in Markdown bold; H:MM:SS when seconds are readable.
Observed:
**8:20**
